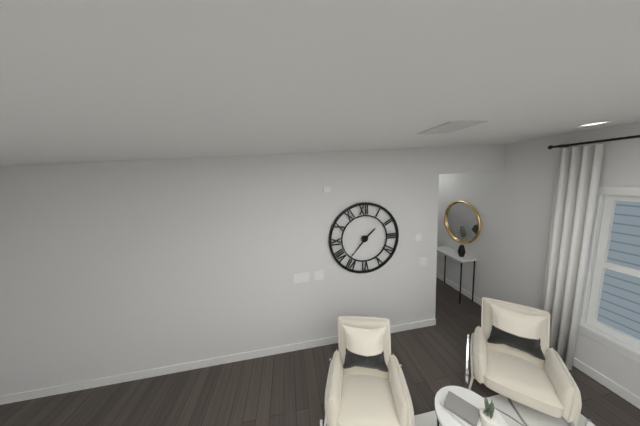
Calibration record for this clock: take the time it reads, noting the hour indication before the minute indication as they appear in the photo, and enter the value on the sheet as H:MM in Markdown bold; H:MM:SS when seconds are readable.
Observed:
**1:37**
